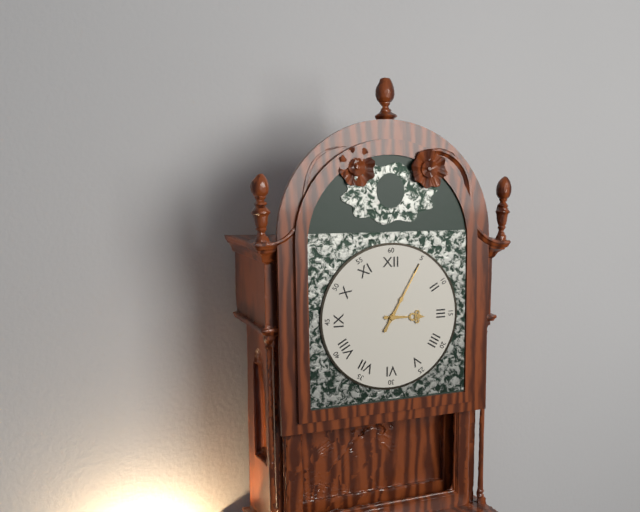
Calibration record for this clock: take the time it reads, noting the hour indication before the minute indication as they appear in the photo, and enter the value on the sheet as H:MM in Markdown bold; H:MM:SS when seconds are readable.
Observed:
**3:05**
